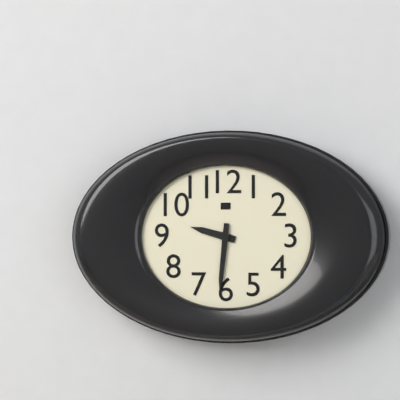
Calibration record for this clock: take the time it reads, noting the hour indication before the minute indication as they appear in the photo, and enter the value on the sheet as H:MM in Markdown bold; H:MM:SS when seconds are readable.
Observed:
**9:31**
